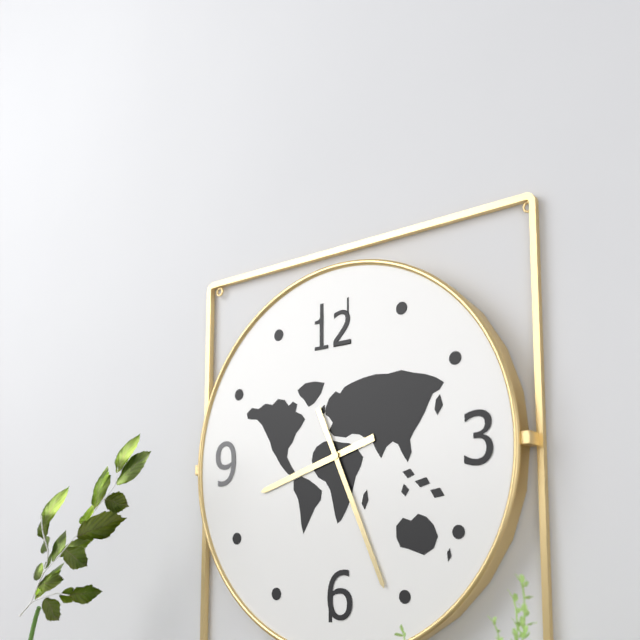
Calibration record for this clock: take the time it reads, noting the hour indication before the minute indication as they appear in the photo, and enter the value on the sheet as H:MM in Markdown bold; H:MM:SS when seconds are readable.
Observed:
**8:26**
